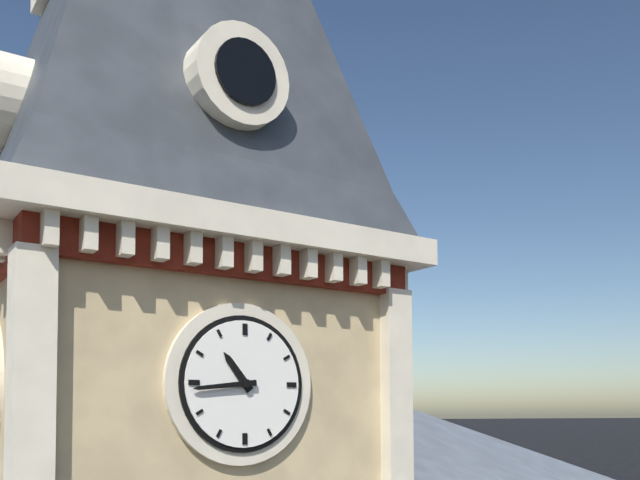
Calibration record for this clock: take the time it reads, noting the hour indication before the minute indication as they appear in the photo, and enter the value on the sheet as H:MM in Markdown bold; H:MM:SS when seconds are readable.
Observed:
**10:44**
